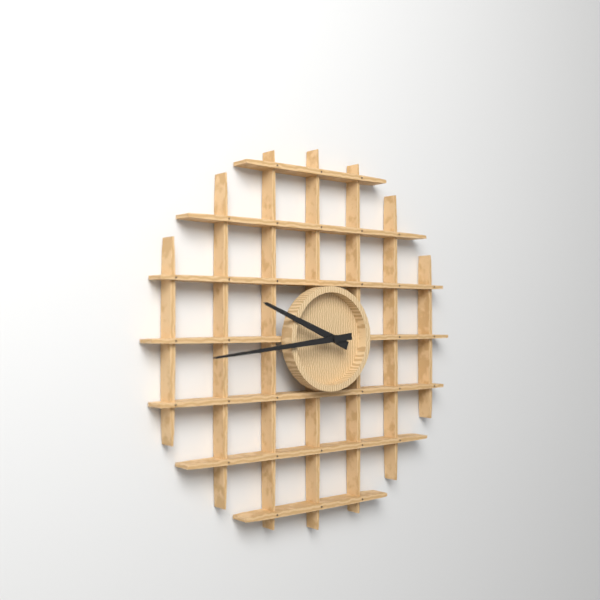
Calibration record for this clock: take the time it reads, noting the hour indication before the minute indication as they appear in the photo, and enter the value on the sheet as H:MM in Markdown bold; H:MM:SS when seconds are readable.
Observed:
**9:44**
